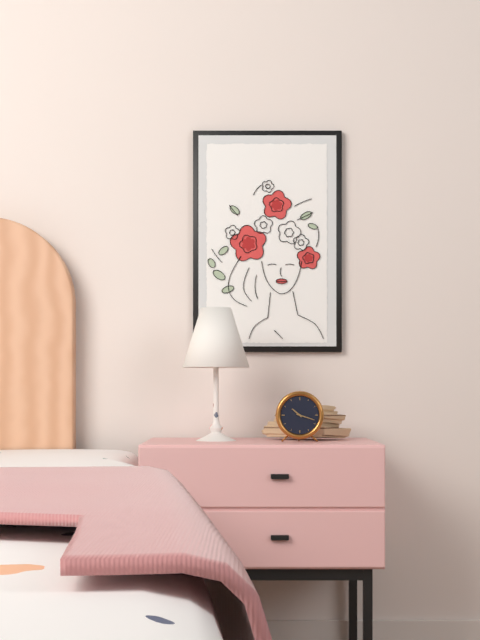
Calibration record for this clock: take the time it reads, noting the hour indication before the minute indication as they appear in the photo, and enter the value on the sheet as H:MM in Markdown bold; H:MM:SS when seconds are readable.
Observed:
**10:18**
